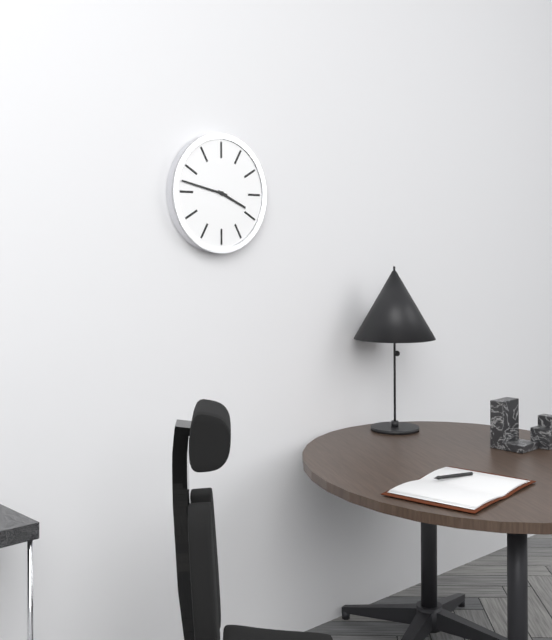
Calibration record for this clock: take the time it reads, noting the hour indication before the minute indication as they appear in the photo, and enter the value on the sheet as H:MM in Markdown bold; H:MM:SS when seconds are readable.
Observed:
**3:47**
